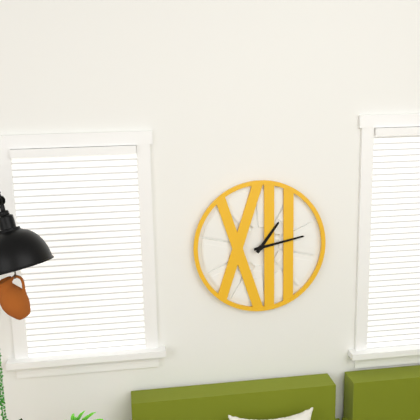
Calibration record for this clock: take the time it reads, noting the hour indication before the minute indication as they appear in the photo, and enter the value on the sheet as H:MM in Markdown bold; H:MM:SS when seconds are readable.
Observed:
**1:13**
